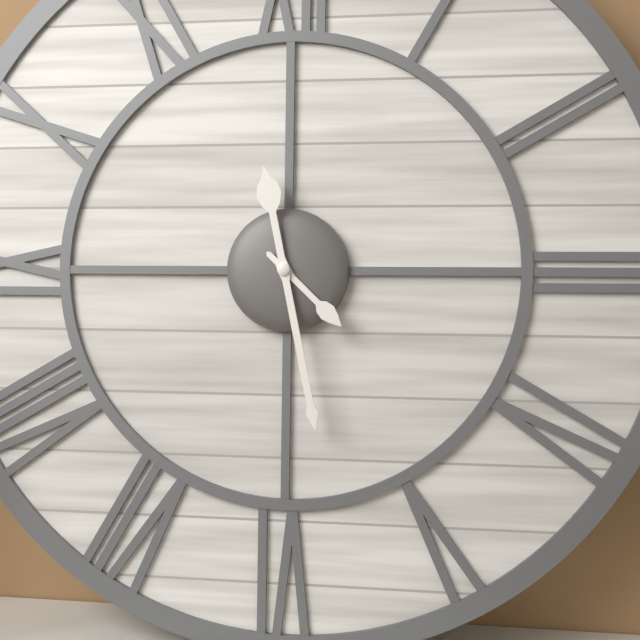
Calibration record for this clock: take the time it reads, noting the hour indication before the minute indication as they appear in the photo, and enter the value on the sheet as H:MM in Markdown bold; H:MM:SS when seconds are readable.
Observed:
**4:28**
